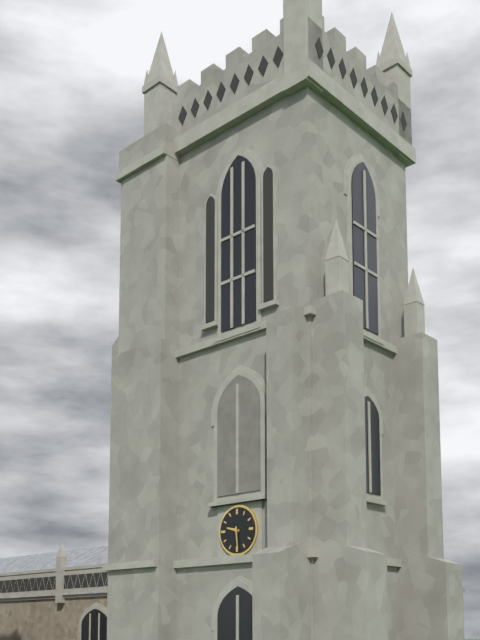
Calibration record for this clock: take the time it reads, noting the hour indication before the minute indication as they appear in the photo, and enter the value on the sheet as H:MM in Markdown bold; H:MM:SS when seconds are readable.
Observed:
**9:29**
